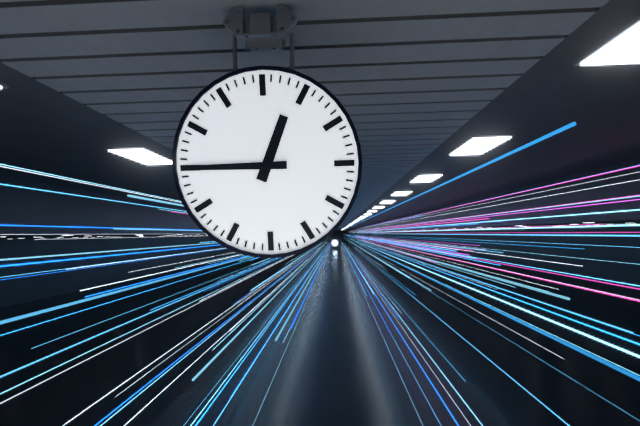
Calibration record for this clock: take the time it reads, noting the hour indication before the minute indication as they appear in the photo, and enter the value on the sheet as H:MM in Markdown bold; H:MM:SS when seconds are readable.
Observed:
**12:45**
